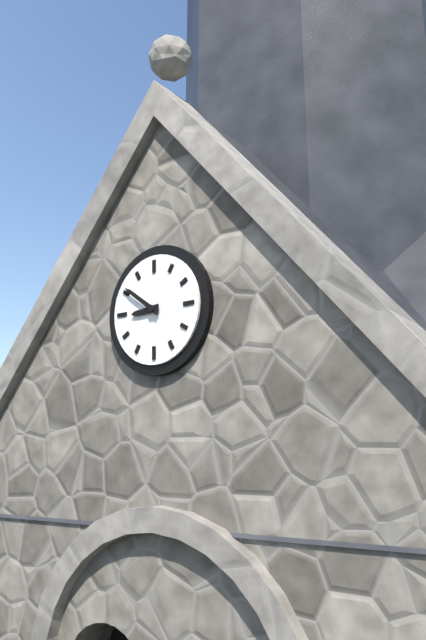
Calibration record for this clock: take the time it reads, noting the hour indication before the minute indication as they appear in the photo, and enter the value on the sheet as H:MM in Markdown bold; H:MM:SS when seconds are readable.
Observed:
**8:51**
